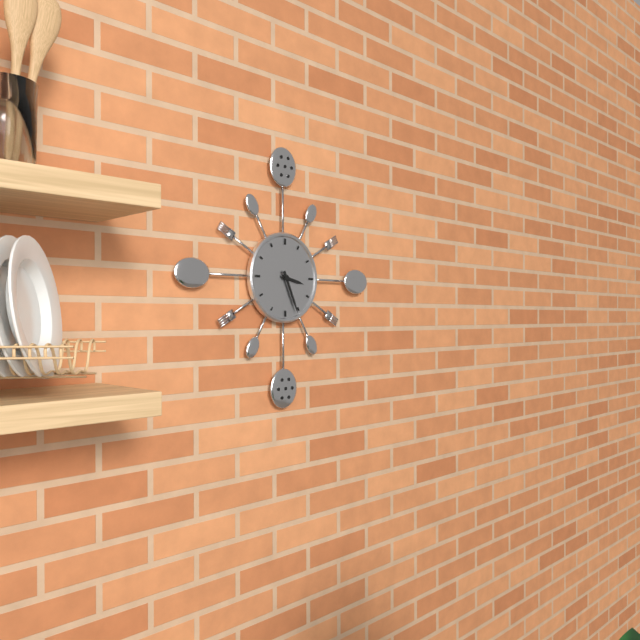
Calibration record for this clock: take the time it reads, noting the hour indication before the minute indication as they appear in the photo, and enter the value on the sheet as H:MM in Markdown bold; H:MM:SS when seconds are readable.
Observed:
**3:26**
